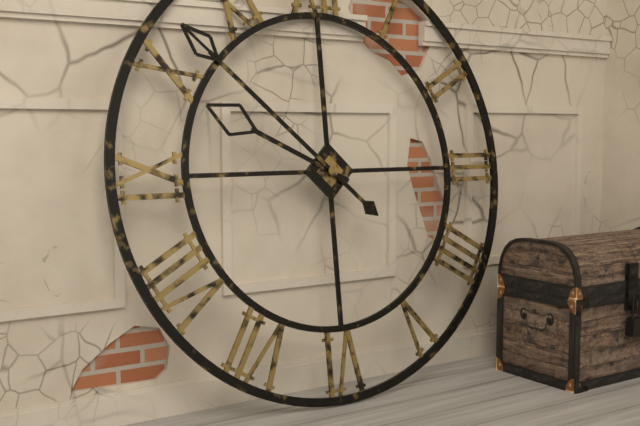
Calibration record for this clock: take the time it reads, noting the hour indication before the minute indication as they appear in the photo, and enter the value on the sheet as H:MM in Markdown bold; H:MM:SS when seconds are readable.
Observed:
**9:52**
